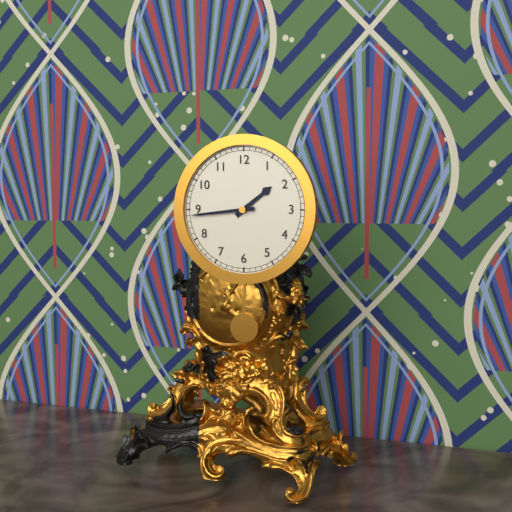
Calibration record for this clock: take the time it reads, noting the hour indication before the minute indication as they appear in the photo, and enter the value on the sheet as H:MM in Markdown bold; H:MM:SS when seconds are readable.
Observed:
**1:44**
